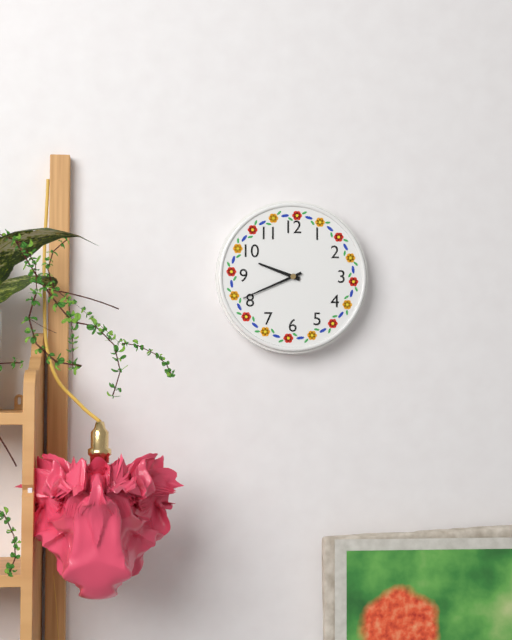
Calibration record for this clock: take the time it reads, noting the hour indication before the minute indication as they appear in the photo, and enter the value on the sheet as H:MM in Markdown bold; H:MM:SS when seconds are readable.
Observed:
**9:41**
